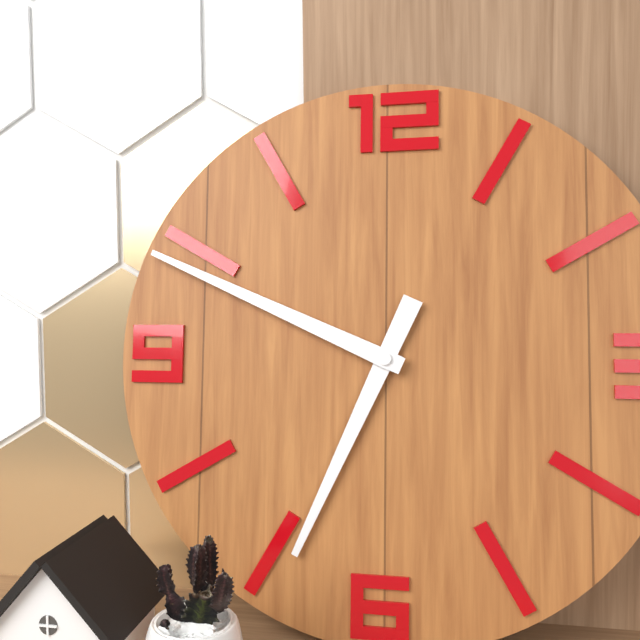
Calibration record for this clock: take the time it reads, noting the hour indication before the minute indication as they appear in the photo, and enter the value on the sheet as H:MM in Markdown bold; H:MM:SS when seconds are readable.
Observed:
**6:49**
